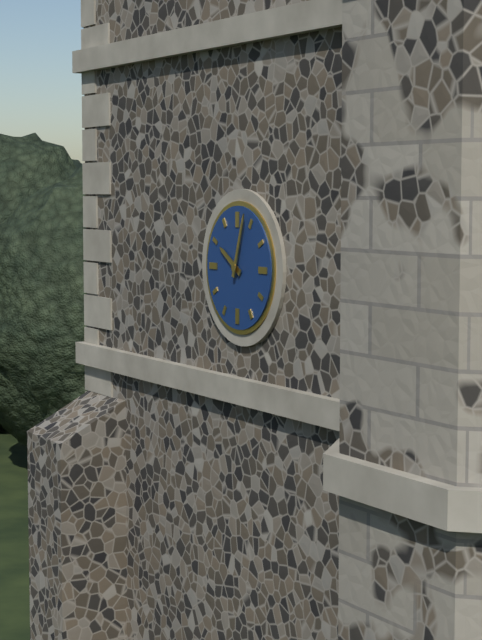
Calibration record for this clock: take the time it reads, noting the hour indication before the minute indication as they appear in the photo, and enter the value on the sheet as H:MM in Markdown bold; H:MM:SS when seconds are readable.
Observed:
**10:03**
